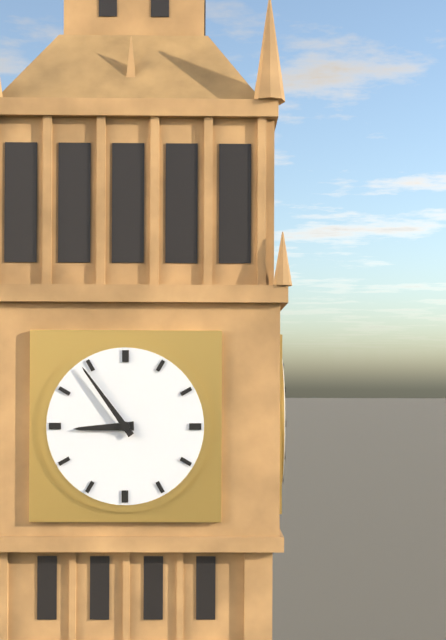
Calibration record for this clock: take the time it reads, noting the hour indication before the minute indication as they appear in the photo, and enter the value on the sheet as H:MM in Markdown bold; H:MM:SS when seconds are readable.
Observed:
**8:54**
